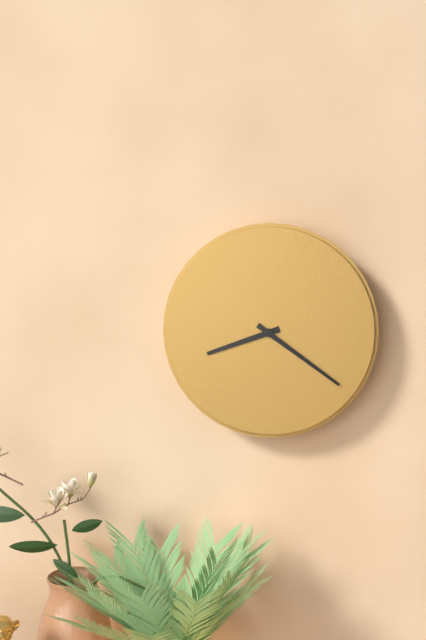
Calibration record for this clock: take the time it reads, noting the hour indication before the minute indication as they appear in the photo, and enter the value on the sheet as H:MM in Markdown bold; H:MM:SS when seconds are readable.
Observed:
**8:21**
